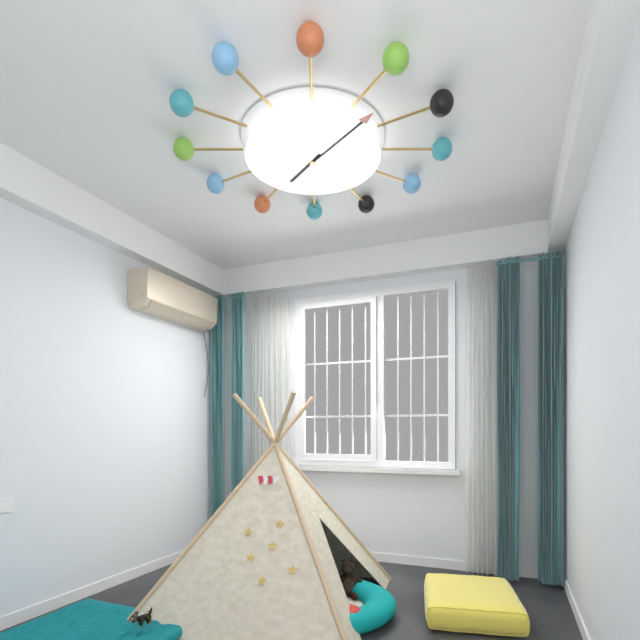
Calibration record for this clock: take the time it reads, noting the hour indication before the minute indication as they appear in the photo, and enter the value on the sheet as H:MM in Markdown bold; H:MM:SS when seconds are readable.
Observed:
**7:06**
